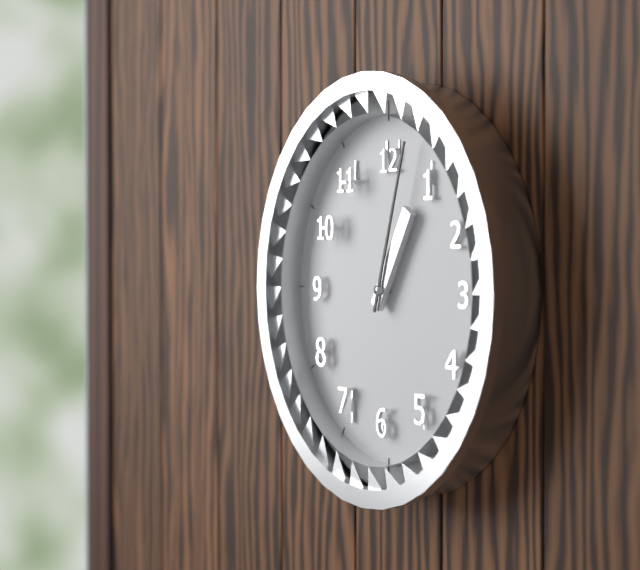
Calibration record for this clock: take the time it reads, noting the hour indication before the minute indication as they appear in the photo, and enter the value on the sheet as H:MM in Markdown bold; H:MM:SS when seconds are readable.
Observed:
**1:03**
